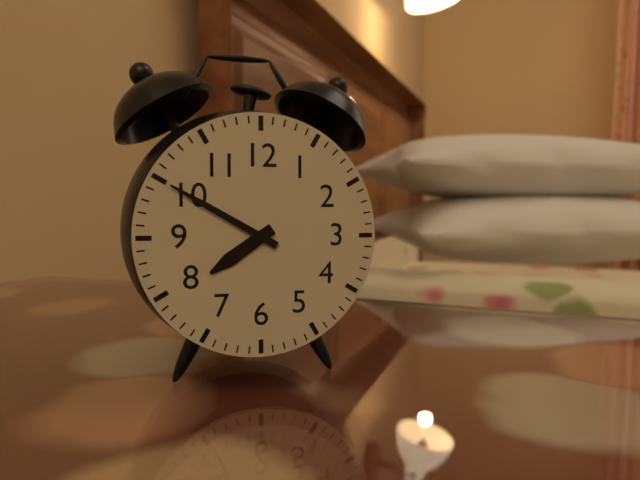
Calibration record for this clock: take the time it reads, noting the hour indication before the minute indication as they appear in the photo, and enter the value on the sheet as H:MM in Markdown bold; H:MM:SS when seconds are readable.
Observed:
**7:50**
